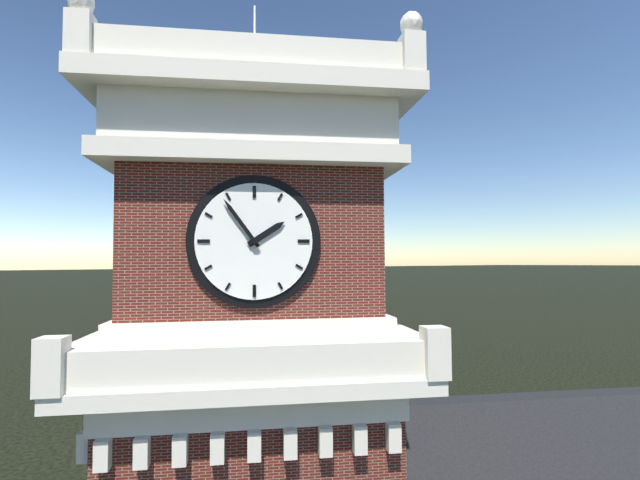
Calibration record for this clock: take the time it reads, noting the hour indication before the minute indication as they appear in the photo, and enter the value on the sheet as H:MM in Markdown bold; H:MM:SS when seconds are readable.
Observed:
**1:54**
